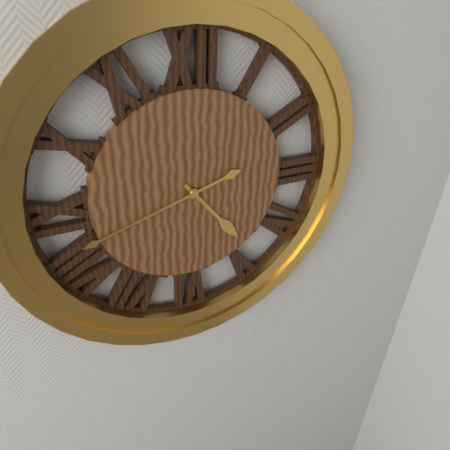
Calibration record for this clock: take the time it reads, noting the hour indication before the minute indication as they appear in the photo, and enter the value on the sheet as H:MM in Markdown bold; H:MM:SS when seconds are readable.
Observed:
**4:42**
